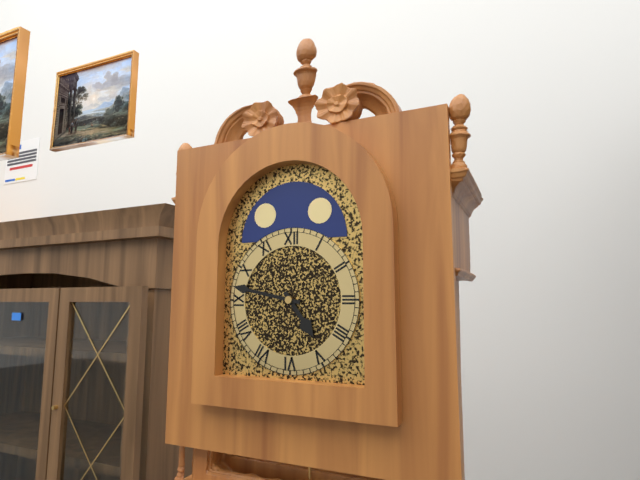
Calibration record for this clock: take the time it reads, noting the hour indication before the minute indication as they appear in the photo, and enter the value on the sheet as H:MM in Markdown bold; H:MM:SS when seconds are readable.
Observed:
**4:47**
